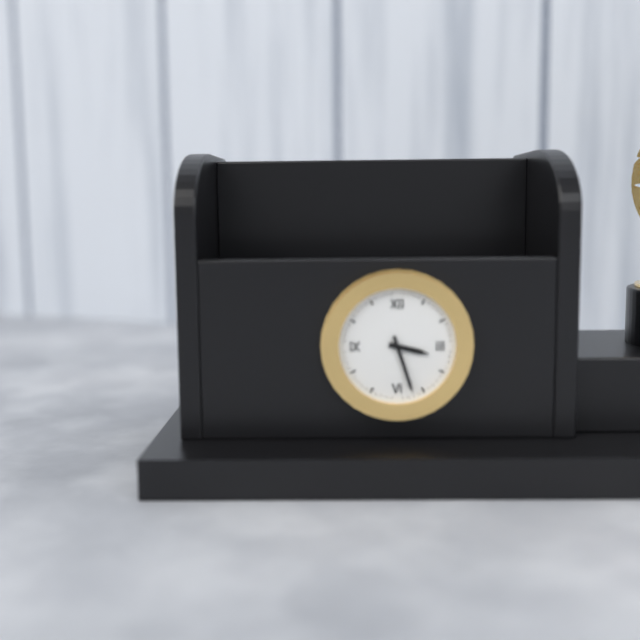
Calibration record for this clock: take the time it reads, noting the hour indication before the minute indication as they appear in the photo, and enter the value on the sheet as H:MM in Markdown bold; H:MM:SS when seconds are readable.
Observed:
**3:27**
